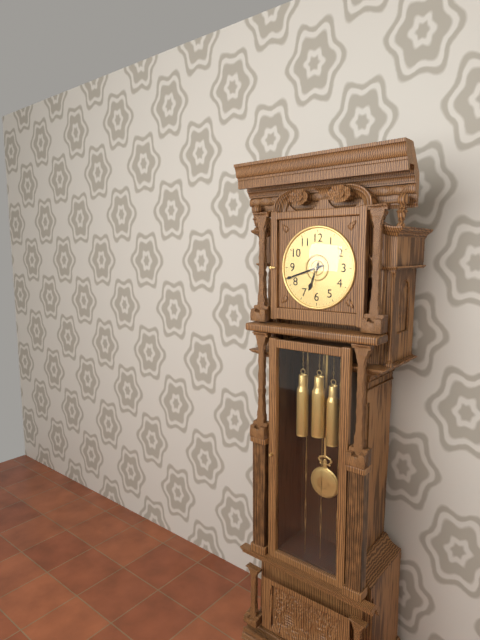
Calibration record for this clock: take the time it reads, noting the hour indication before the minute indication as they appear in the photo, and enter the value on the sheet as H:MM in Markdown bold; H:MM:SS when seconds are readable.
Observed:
**6:42**
